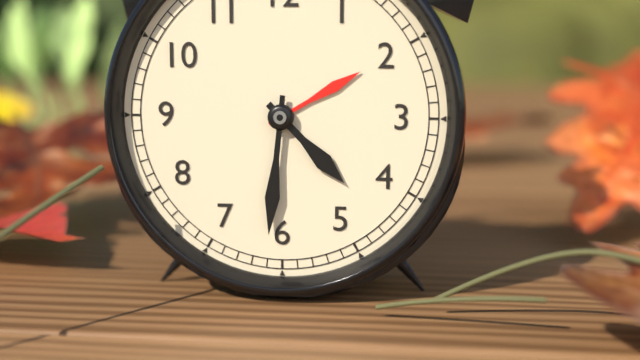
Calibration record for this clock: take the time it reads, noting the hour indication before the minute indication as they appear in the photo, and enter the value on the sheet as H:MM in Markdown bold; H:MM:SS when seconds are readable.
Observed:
**4:31**
